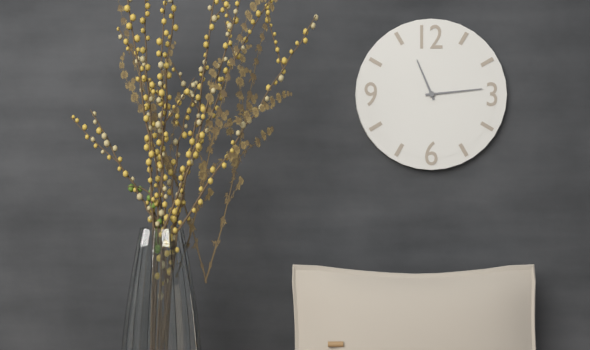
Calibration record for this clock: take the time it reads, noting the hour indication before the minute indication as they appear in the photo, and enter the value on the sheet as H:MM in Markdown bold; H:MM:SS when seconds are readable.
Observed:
**11:14**
